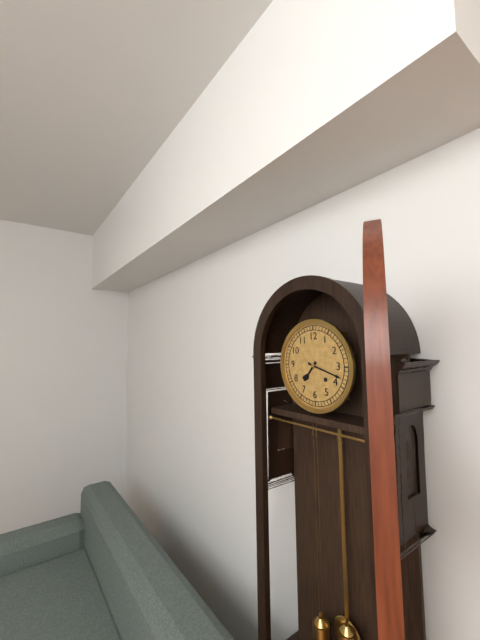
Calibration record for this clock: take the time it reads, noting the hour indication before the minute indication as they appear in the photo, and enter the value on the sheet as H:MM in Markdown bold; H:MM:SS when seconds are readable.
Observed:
**7:18**
